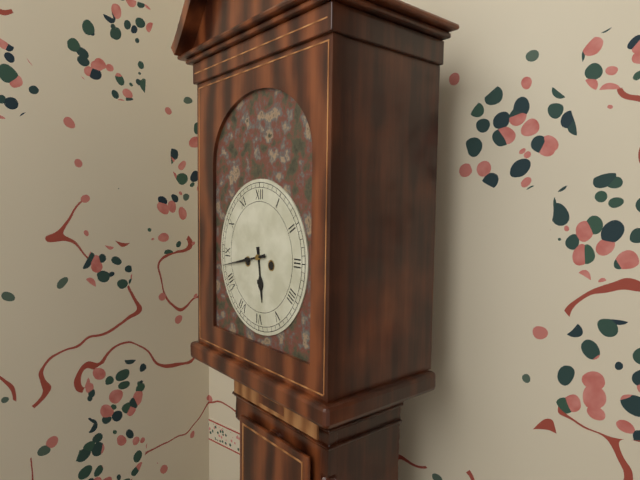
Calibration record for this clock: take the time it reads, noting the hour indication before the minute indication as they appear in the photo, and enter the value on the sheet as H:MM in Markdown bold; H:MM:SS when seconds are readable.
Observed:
**5:43**
